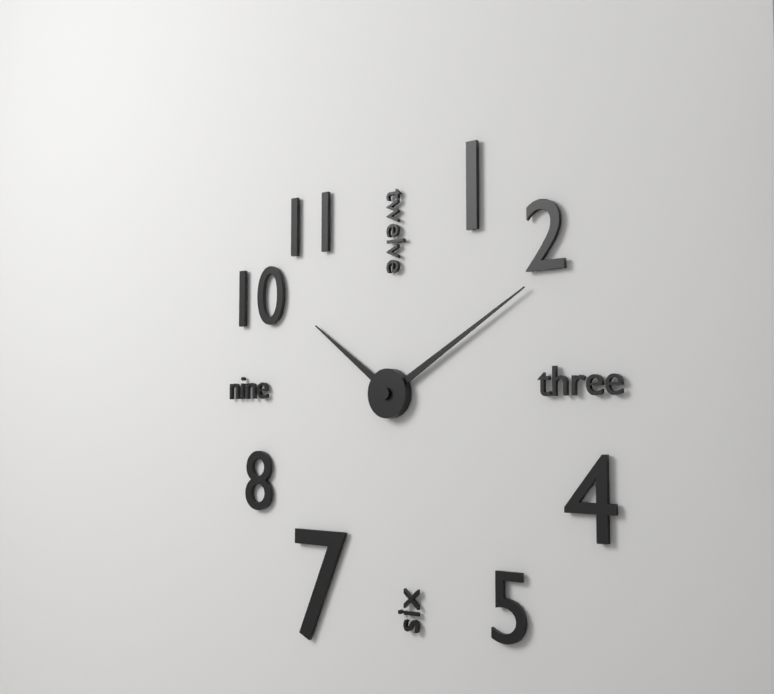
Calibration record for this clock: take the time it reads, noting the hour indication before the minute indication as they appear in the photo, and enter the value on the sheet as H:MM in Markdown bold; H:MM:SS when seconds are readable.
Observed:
**10:10**
